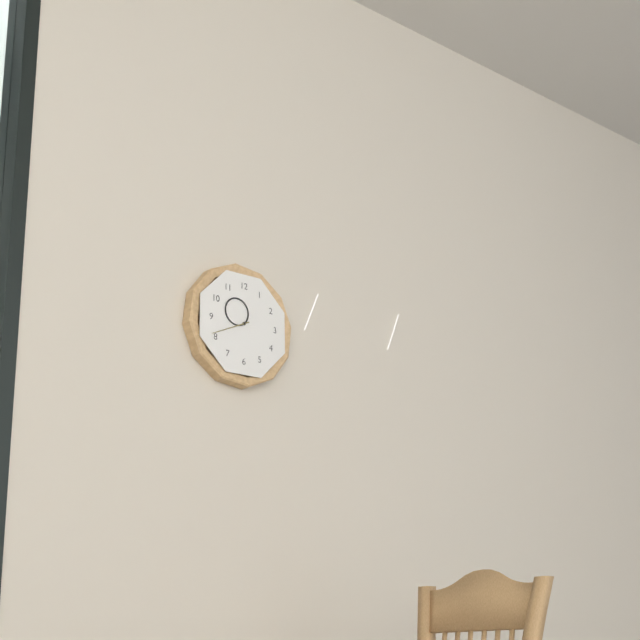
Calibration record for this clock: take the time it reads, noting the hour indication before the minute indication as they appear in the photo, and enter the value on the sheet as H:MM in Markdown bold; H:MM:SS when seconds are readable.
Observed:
**10:41**
